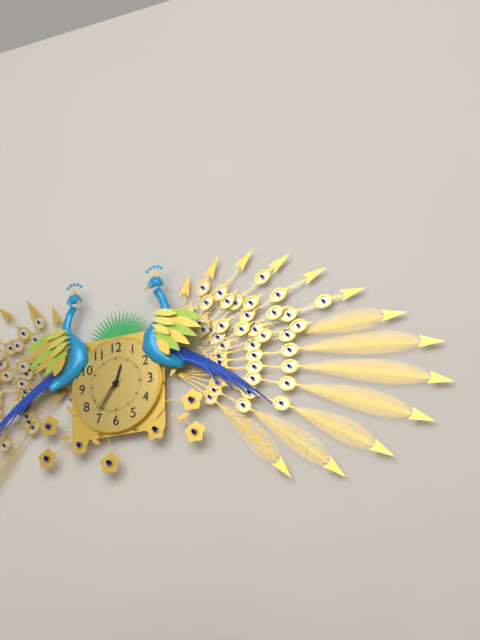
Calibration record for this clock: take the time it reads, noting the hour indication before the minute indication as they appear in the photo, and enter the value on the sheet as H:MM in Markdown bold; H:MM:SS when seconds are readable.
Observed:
**12:36**
